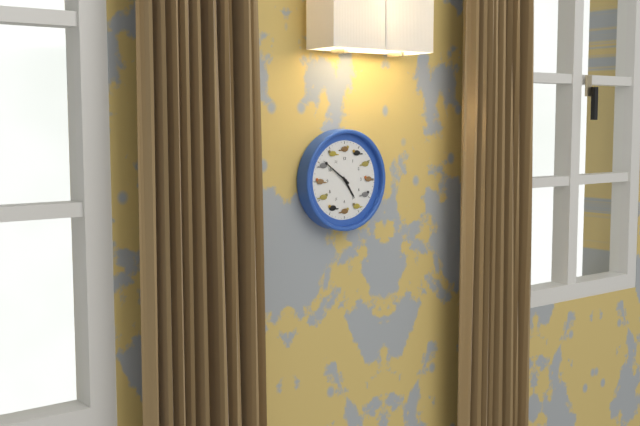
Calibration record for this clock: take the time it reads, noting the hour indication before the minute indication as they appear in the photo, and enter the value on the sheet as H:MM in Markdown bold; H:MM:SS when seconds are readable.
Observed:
**4:51**
